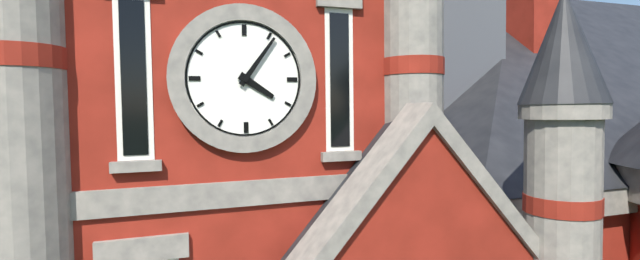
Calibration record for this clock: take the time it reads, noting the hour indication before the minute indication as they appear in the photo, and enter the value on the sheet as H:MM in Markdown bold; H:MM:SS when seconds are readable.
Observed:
**4:06**
